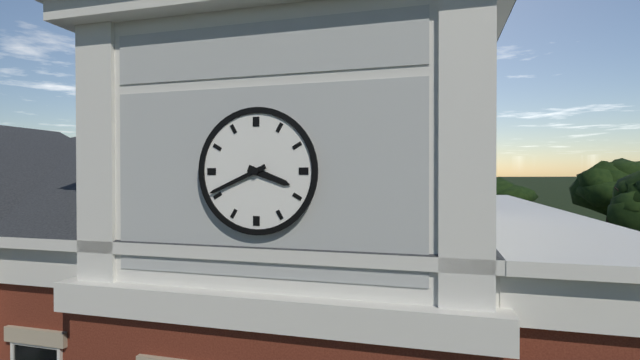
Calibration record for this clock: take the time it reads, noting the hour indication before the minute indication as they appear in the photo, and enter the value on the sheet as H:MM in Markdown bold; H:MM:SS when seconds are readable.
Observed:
**3:41**
